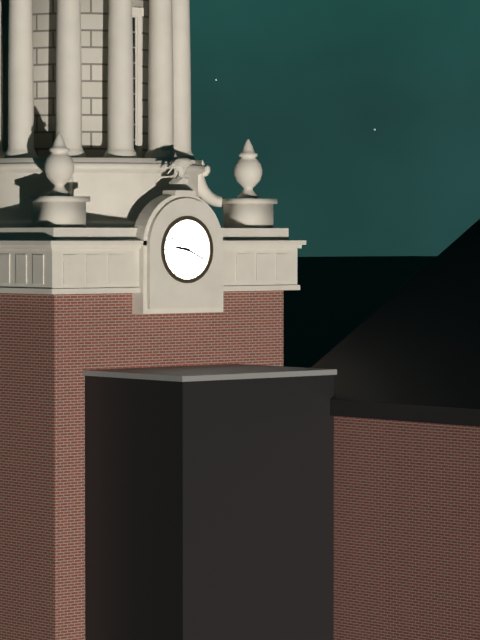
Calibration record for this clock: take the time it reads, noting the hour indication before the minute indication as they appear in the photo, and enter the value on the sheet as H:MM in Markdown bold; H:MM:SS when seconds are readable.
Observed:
**9:19**
